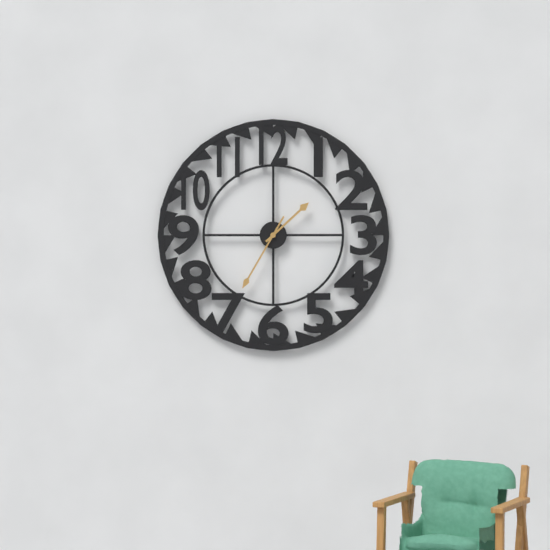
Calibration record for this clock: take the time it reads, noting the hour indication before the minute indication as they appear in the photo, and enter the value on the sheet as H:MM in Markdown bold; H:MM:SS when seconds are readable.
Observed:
**1:35**
